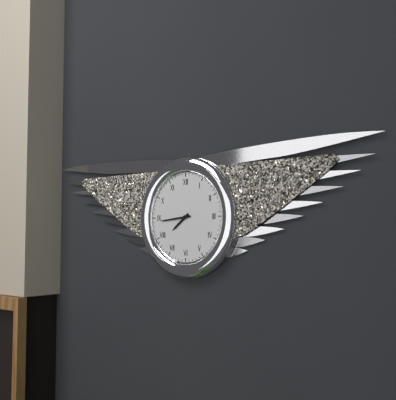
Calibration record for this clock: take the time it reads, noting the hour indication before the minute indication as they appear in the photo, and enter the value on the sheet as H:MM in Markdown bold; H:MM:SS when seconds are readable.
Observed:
**7:44**
